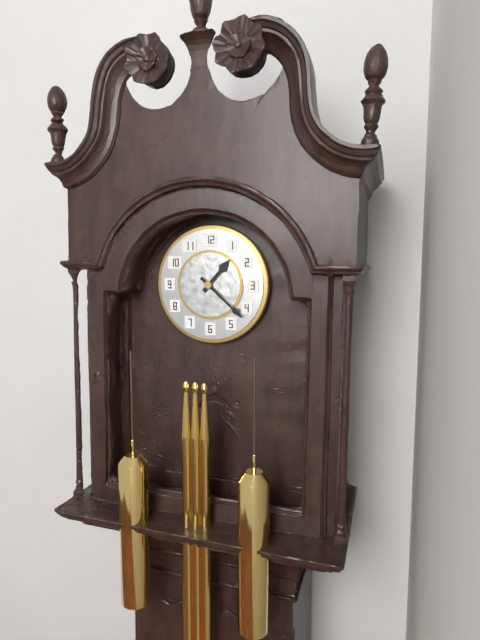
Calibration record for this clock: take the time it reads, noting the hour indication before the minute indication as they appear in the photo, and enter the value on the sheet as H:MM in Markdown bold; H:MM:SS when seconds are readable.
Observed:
**1:22**
